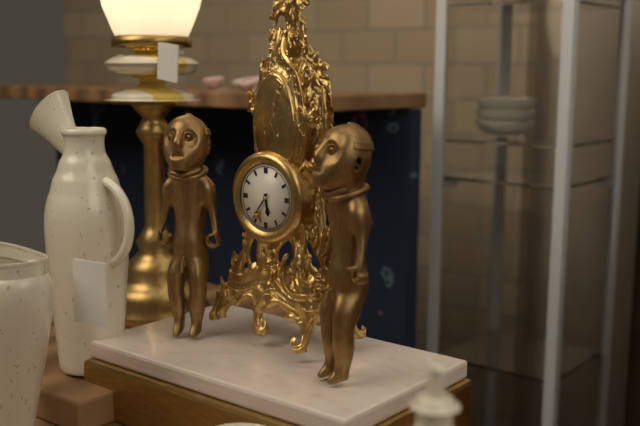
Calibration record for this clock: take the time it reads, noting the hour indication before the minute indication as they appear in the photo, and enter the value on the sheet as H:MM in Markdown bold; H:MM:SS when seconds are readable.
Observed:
**5:36**
